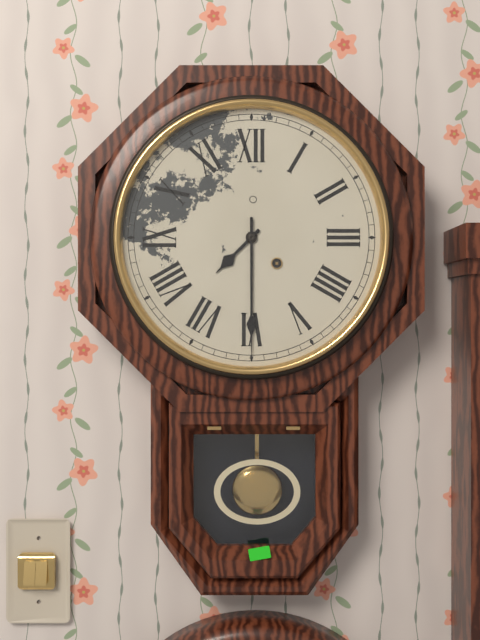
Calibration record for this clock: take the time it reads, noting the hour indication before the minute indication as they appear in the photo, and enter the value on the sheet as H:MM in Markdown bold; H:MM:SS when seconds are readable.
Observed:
**7:30**
